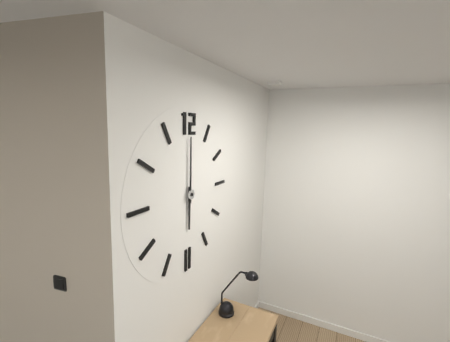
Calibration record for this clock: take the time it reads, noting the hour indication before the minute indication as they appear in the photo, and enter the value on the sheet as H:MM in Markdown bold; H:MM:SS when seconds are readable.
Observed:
**6:00**
